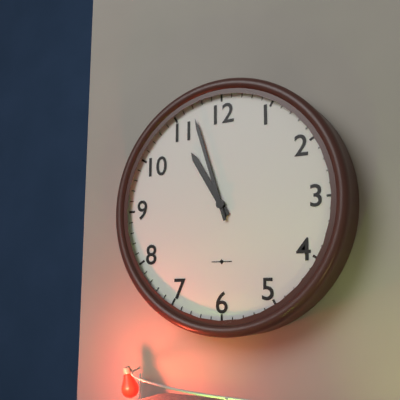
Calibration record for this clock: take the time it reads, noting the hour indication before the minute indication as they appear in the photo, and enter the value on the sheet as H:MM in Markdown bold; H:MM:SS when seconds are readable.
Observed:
**10:57**
